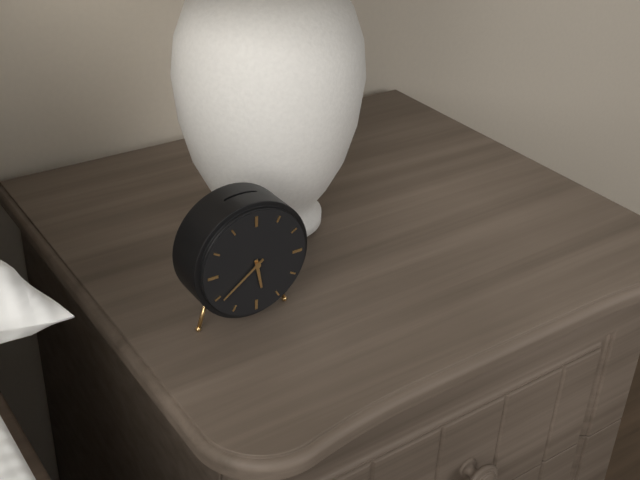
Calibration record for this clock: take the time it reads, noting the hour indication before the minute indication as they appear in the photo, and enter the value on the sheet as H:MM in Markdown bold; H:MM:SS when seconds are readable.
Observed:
**5:39**
